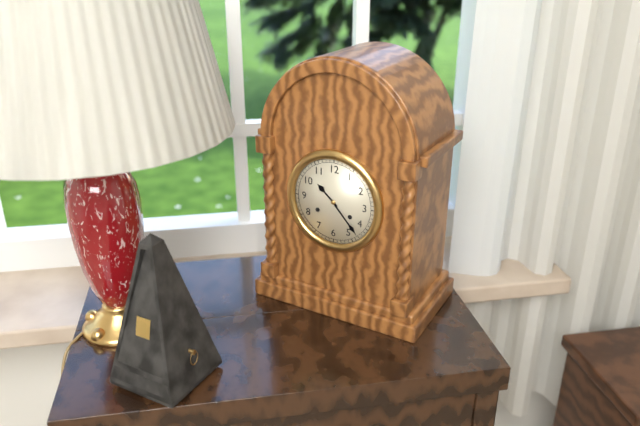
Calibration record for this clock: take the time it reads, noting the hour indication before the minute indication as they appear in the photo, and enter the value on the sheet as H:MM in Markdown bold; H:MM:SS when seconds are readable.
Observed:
**10:23**
